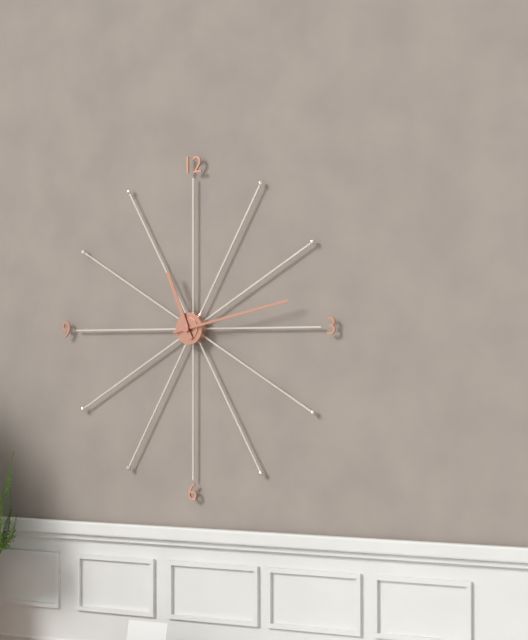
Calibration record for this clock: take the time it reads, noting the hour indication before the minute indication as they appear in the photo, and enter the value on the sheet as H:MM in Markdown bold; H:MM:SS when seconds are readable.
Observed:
**11:13**
